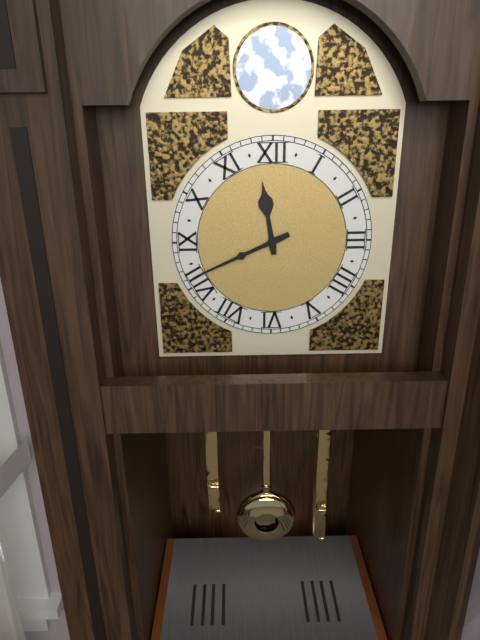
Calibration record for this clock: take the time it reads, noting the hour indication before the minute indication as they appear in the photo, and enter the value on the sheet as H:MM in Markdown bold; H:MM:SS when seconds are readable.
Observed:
**11:41**
